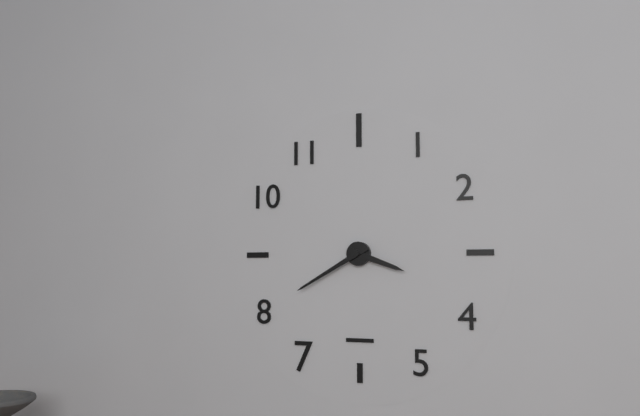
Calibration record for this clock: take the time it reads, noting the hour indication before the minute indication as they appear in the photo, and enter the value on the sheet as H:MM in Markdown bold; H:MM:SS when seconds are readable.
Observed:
**3:40**
